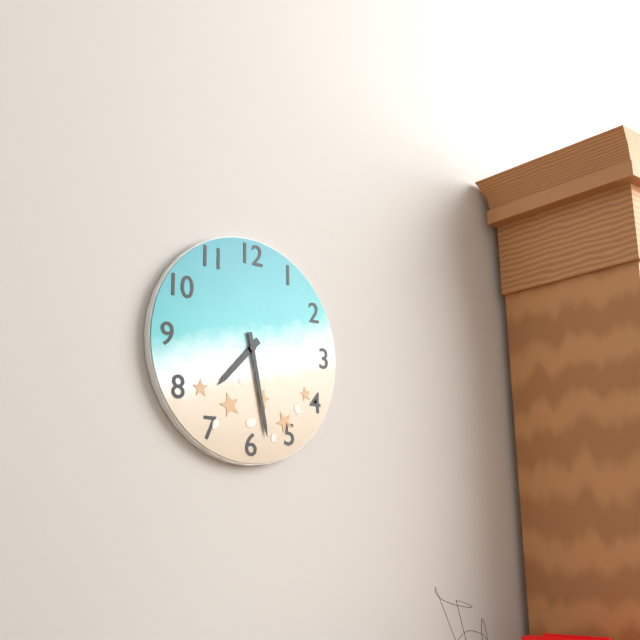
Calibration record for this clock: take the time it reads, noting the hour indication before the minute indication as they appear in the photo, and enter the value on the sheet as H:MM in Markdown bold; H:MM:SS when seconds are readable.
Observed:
**7:28**
